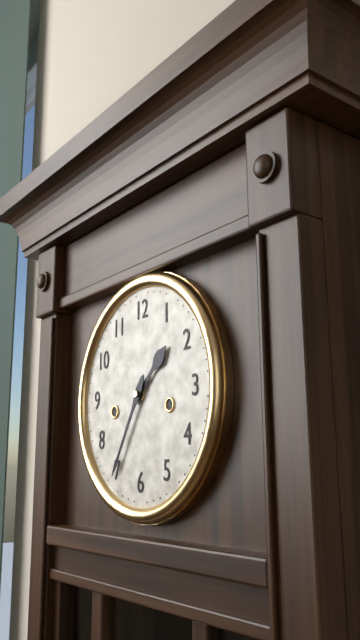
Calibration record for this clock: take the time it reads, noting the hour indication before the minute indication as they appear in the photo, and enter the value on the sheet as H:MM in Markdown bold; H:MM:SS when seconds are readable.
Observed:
**1:35**
